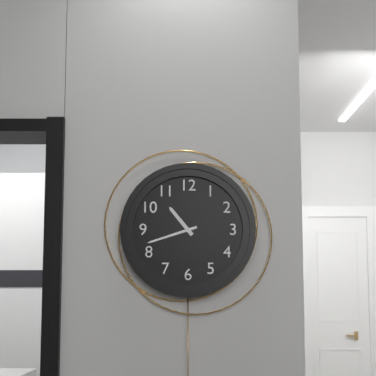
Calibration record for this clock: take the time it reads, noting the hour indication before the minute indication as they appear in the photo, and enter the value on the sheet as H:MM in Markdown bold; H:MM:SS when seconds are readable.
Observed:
**10:42**
